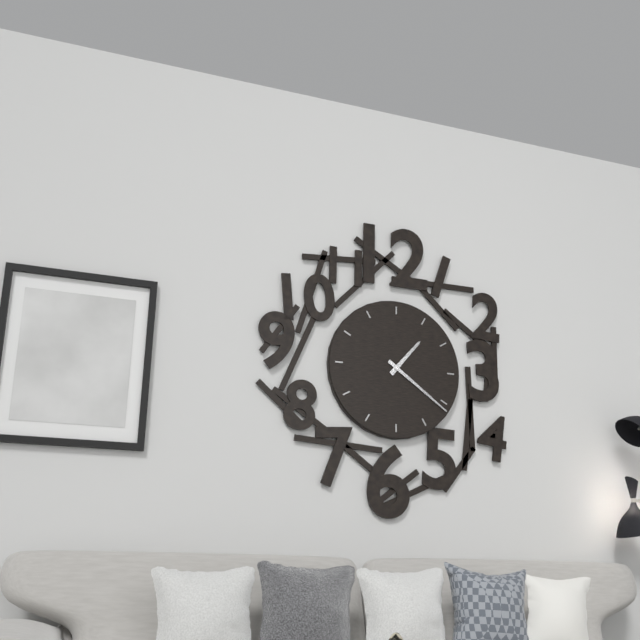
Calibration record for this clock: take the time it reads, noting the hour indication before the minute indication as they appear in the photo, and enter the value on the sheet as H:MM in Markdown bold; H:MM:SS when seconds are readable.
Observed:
**1:21**
